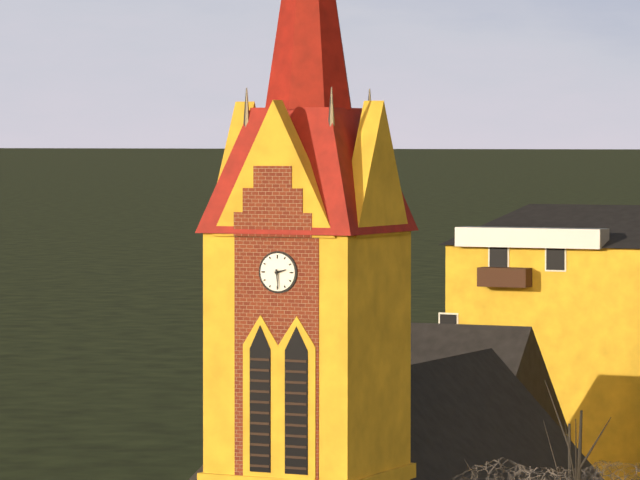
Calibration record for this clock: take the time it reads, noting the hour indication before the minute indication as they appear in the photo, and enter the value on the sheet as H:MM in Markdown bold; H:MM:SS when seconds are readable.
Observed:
**2:29**
